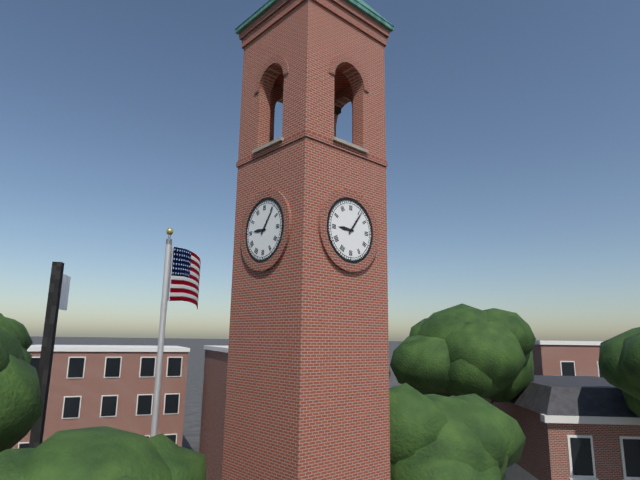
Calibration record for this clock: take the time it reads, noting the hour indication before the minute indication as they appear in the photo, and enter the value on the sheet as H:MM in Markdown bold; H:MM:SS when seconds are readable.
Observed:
**9:06**
